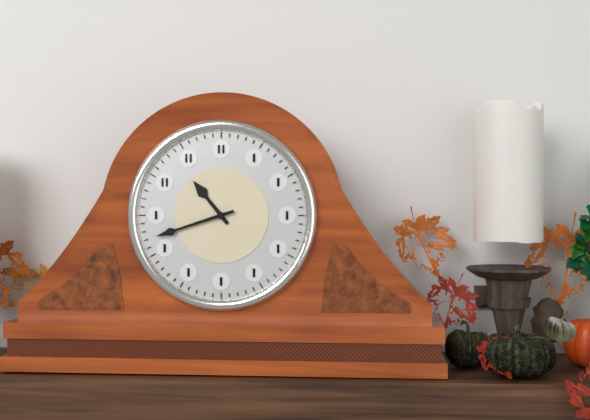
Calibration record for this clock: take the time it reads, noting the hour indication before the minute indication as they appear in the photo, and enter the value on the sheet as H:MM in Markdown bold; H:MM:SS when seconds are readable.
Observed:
**10:42**
